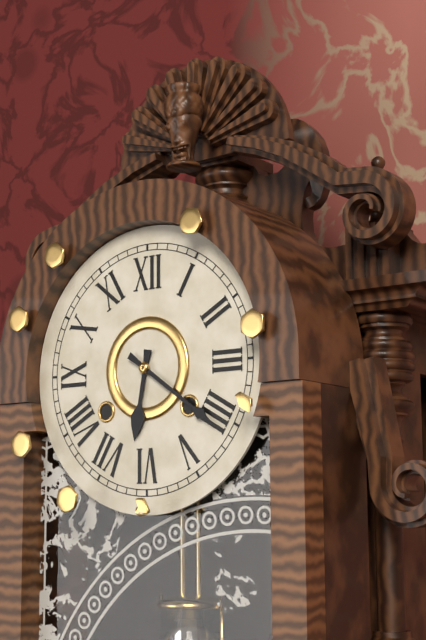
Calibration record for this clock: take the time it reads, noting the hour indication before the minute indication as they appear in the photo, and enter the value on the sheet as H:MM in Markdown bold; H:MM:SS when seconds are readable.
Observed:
**6:21**
